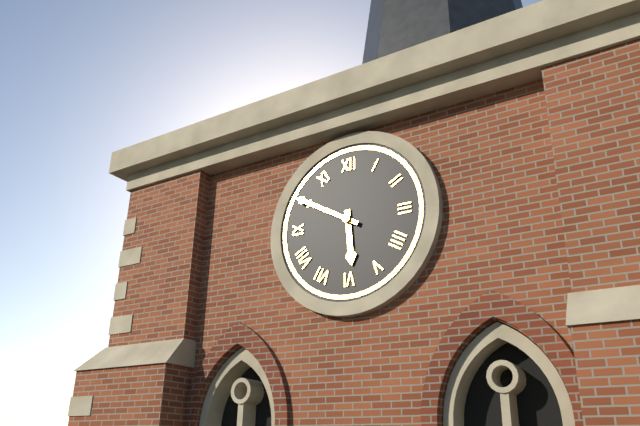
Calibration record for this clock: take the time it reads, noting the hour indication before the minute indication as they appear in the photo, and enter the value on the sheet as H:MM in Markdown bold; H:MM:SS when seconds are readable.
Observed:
**5:50**
